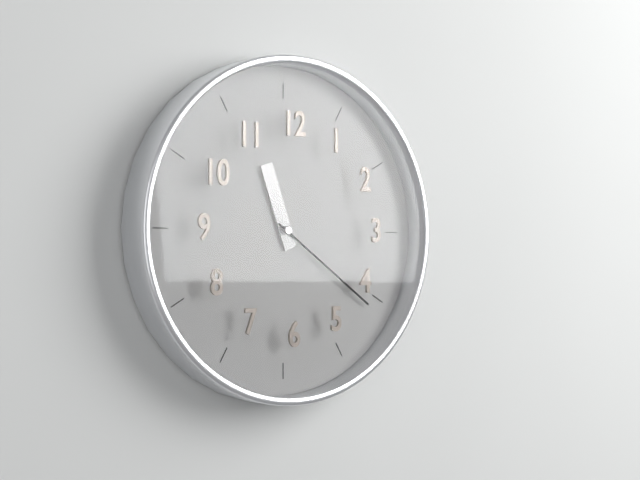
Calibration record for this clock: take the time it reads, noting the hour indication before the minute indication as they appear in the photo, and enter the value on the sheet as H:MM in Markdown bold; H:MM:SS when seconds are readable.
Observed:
**11:21**
